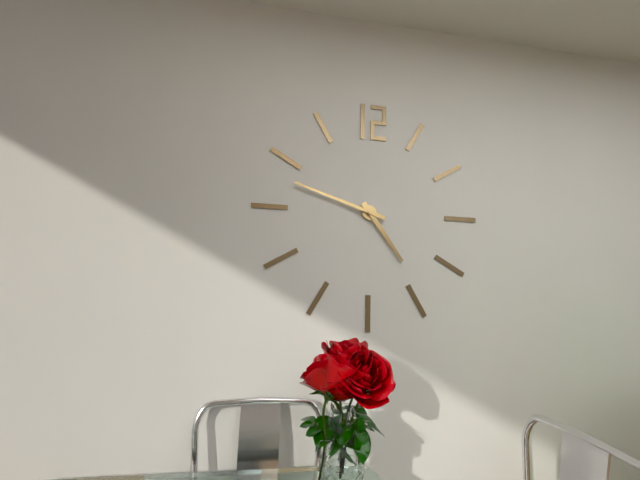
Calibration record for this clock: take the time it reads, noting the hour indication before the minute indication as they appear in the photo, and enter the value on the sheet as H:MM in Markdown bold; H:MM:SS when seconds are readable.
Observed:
**4:48**
